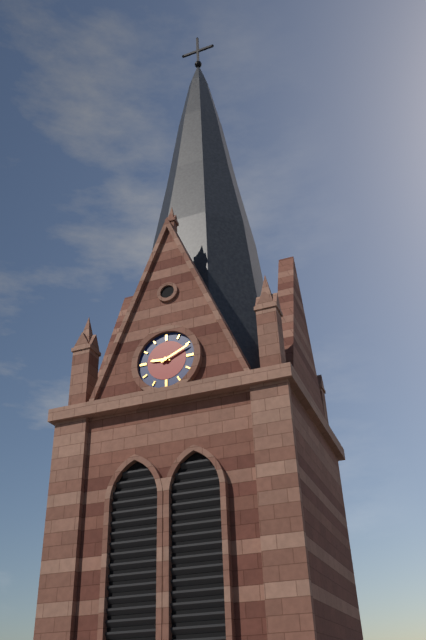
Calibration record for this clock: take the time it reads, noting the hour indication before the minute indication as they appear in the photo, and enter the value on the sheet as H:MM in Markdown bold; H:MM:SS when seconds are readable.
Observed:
**9:11**
